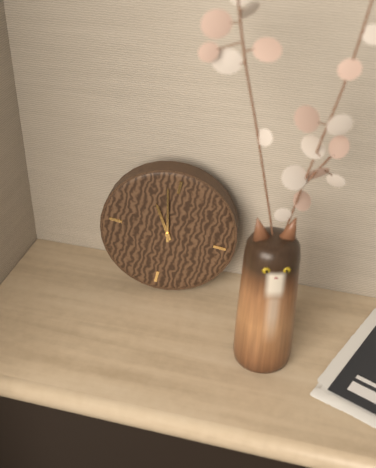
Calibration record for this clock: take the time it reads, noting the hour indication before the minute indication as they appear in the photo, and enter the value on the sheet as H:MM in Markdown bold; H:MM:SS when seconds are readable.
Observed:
**10:58**
